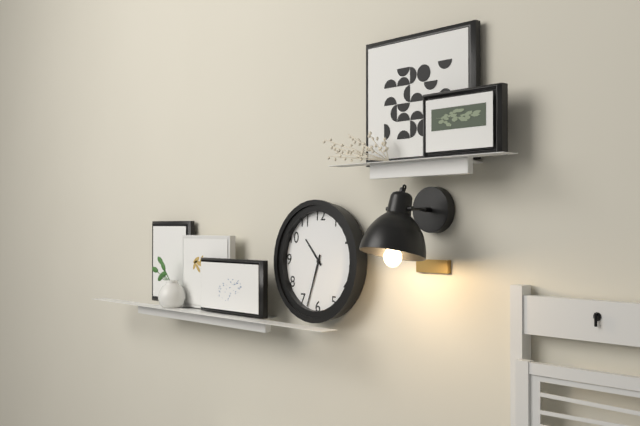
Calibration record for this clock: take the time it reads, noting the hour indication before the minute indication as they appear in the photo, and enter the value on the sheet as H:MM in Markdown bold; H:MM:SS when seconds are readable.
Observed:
**10:33**
